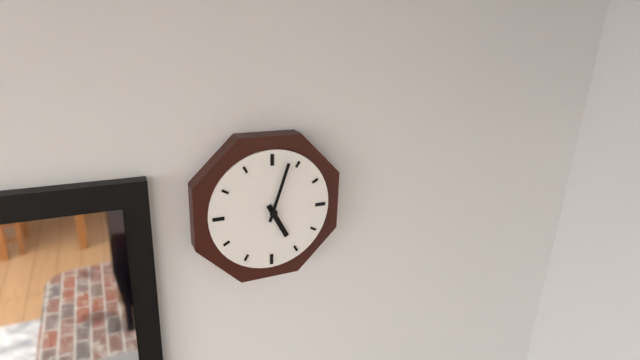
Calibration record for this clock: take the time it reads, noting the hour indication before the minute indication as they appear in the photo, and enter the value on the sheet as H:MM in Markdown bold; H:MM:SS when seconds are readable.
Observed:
**5:03**
